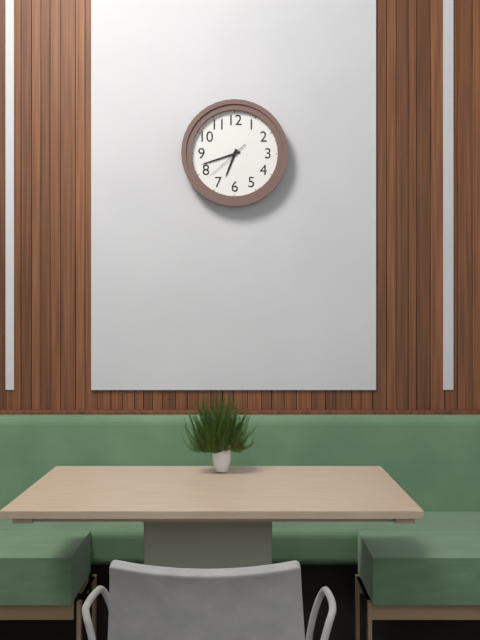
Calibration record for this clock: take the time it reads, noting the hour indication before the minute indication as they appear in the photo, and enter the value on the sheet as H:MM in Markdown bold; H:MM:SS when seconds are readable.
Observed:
**6:42**
